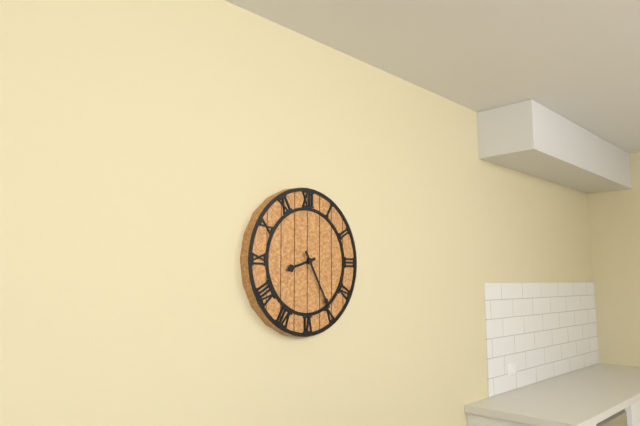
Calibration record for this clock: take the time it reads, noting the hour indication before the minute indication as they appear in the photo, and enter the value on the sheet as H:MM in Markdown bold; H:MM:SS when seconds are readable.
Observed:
**8:25**
